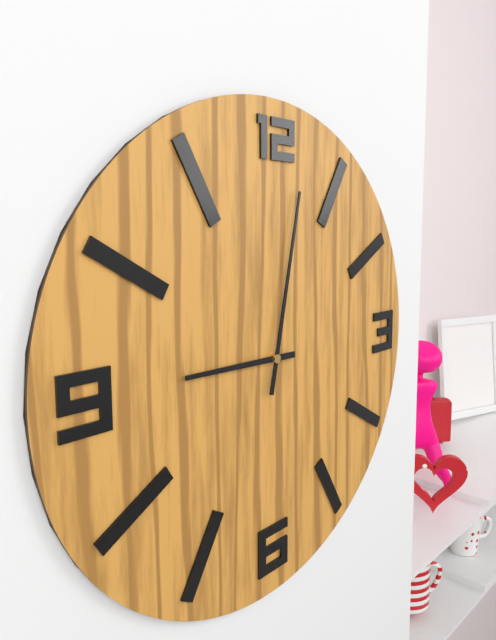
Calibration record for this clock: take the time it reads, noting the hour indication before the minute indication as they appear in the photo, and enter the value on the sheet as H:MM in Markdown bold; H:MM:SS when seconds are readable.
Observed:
**9:02**
